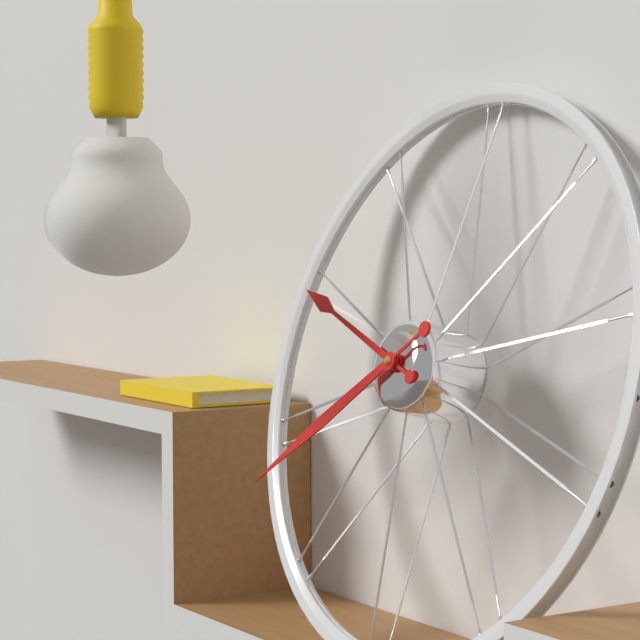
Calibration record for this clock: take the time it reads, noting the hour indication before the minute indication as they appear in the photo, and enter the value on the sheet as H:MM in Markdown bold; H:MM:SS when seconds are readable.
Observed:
**9:39**
